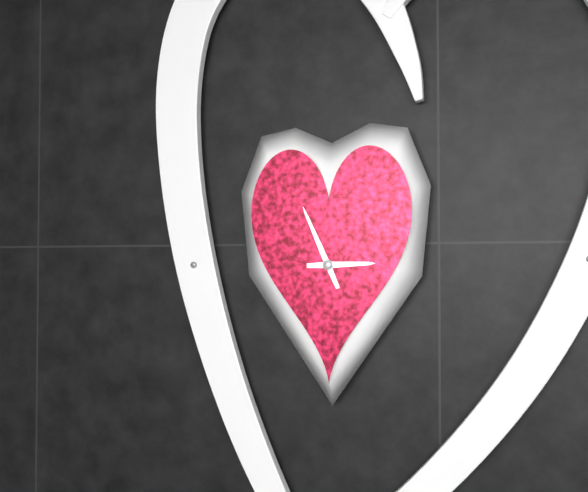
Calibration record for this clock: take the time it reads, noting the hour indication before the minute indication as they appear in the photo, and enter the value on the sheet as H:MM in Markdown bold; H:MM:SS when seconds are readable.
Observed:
**2:56**
